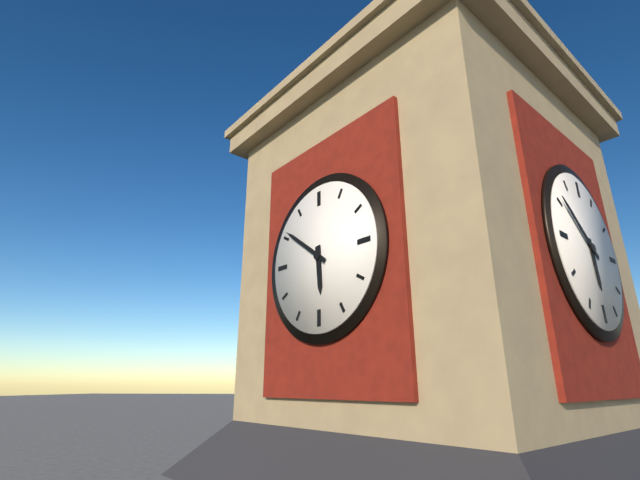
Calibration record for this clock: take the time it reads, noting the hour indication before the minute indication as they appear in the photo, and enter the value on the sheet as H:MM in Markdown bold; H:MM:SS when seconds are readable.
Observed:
**5:51**
